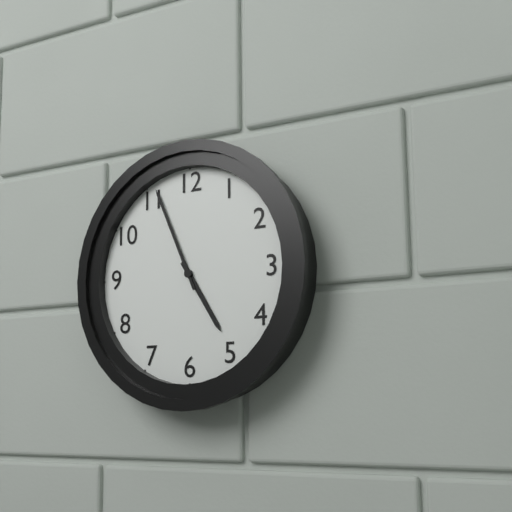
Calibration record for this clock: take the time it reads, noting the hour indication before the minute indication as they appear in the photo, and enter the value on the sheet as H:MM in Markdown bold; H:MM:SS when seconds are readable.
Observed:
**4:56**
